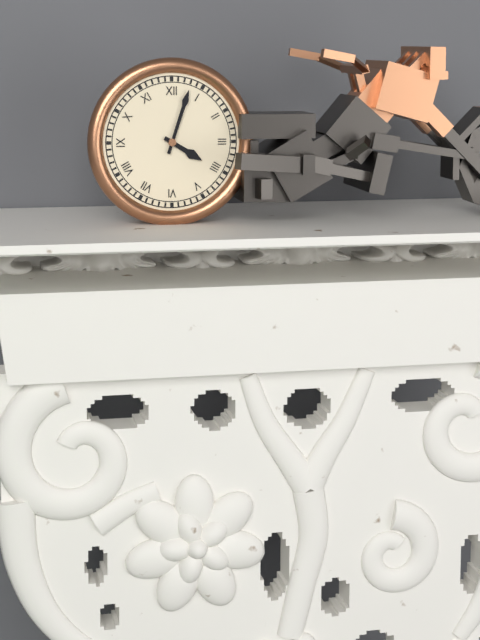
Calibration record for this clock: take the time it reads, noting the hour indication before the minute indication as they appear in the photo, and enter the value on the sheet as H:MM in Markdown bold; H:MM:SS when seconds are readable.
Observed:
**4:03**
